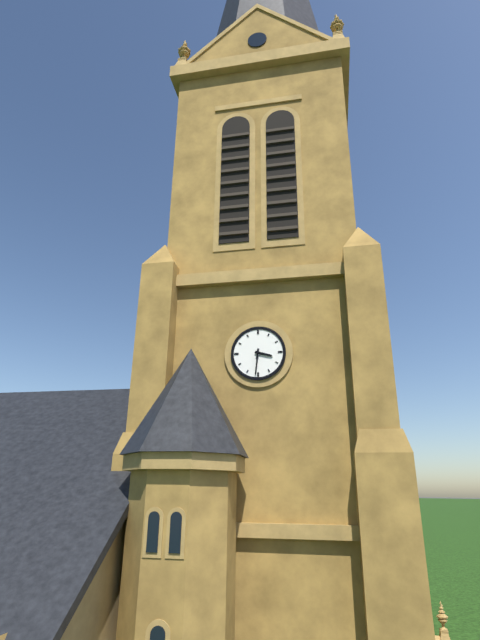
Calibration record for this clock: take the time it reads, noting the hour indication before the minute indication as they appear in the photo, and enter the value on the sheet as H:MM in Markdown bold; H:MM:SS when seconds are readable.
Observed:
**3:31**
